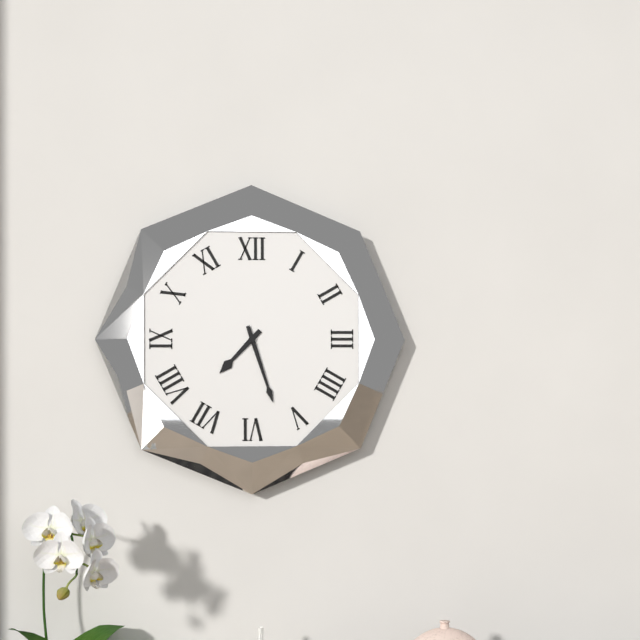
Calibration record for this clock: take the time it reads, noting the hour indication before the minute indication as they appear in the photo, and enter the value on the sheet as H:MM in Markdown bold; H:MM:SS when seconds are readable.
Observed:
**7:27**
